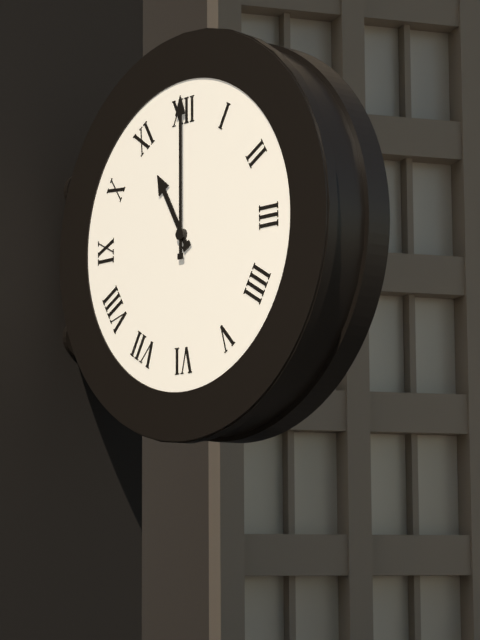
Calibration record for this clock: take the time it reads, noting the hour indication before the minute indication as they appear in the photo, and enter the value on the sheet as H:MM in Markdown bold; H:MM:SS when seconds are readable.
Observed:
**11:00**
